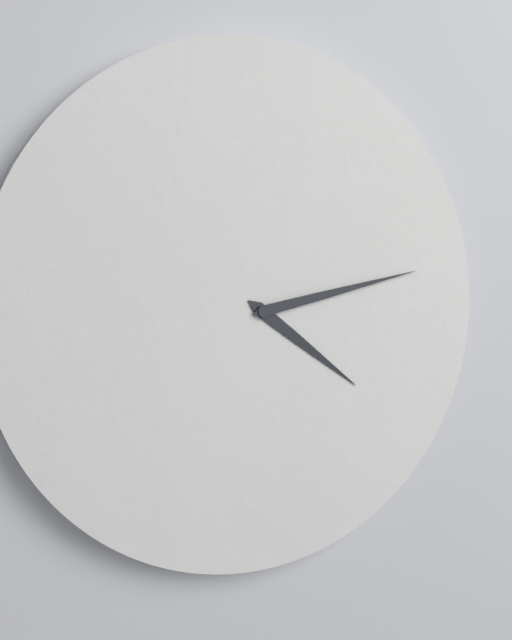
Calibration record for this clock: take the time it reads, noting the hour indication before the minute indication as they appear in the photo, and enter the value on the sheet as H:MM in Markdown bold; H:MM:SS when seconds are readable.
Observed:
**4:13**
